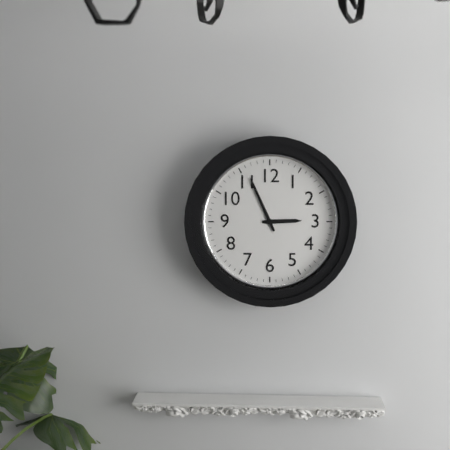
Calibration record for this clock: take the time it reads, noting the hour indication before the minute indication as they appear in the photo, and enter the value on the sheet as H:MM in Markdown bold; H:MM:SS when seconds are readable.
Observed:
**2:56**
